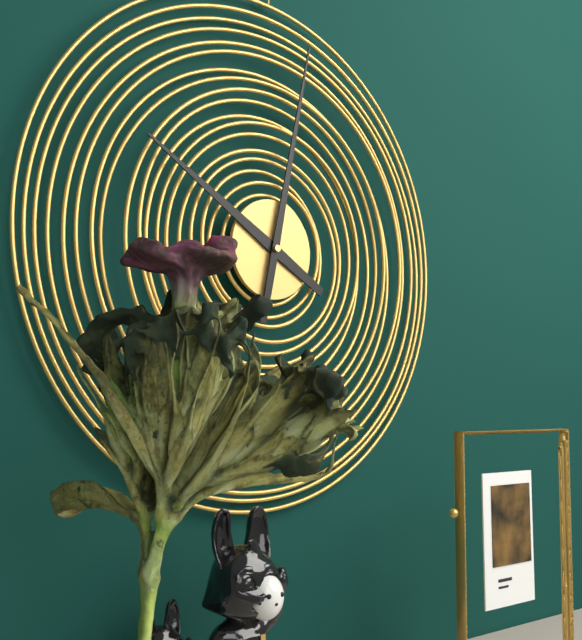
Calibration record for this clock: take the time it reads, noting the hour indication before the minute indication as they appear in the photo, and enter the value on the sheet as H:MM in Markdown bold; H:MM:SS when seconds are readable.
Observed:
**10:02**
